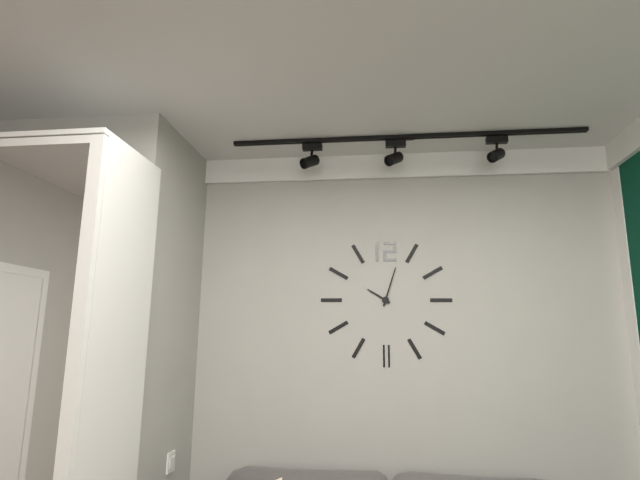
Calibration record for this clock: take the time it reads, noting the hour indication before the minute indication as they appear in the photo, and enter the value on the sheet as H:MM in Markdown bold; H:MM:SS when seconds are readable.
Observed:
**10:03**
